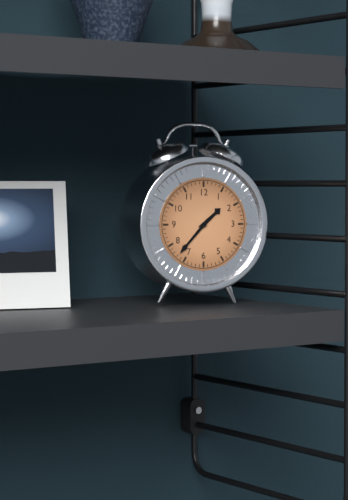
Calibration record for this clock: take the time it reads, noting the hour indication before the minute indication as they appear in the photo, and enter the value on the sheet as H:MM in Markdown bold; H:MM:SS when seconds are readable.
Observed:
**1:37**
